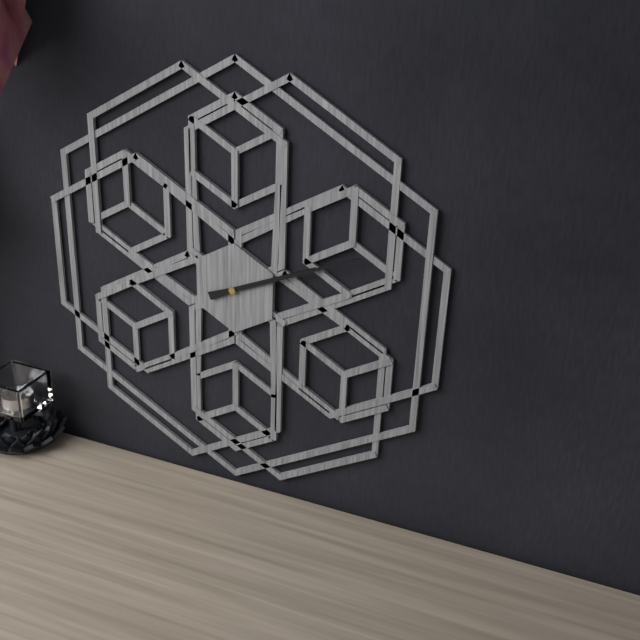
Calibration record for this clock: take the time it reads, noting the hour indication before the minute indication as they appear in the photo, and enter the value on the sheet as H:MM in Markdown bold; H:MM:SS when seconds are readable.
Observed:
**2:11**
